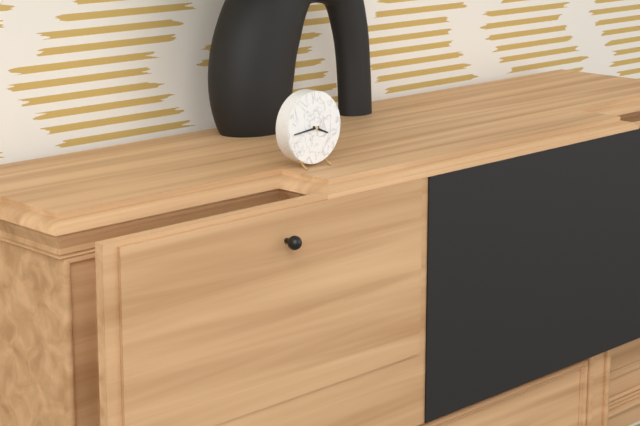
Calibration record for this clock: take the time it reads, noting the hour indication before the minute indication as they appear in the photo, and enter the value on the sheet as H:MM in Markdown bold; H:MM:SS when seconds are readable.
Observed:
**3:44**
